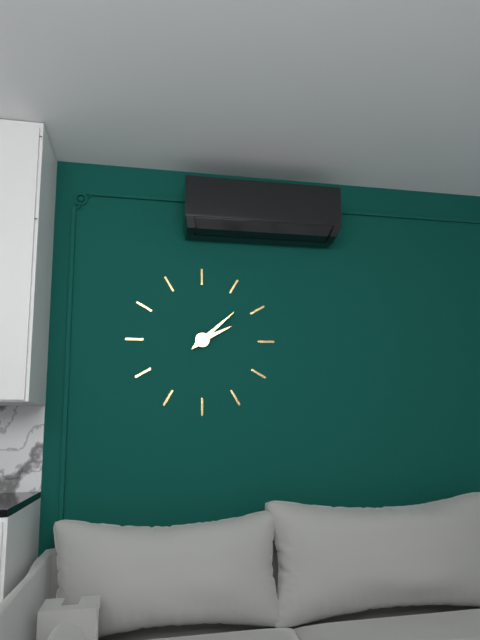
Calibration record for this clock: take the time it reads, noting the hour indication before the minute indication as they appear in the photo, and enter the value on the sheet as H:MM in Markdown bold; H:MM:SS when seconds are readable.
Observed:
**2:08**
